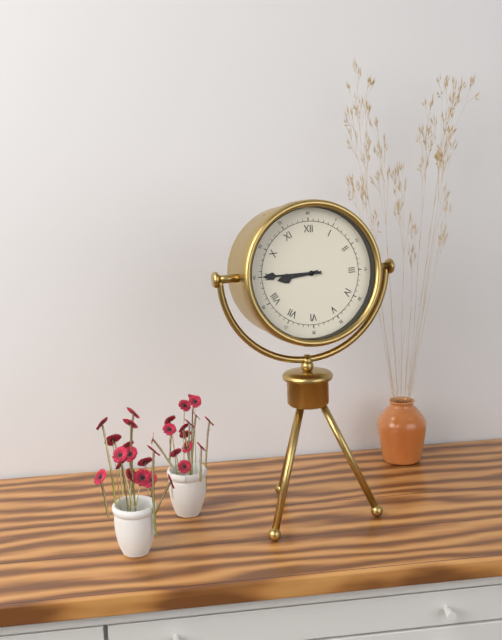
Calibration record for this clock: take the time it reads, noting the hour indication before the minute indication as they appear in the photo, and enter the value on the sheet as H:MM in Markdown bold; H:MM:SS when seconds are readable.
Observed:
**8:45**
